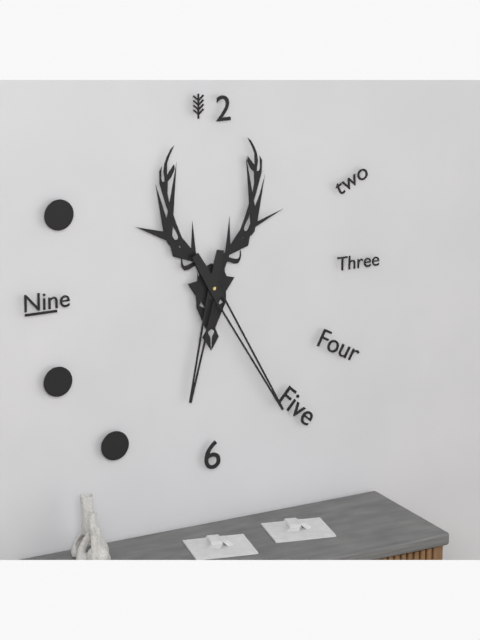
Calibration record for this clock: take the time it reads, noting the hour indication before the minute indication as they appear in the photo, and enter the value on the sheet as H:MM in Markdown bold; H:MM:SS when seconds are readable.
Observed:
**6:25**
